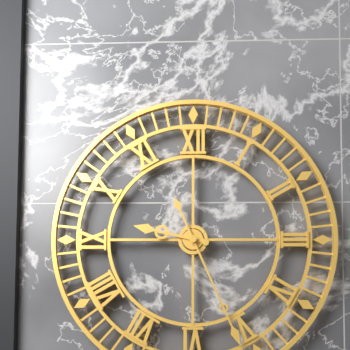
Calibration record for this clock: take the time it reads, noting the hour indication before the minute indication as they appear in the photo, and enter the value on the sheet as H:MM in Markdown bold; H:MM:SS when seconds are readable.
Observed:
**9:26**
